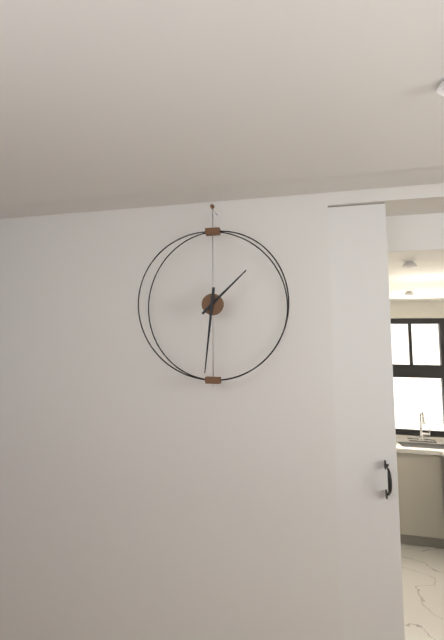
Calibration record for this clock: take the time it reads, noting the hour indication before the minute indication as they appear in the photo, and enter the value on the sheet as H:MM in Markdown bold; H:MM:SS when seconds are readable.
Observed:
**1:31**
